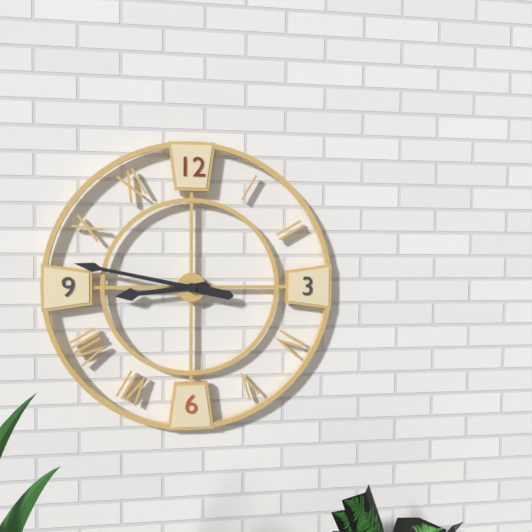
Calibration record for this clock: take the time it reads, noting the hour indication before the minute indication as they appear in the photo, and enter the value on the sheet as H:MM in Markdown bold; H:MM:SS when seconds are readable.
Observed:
**8:47**
